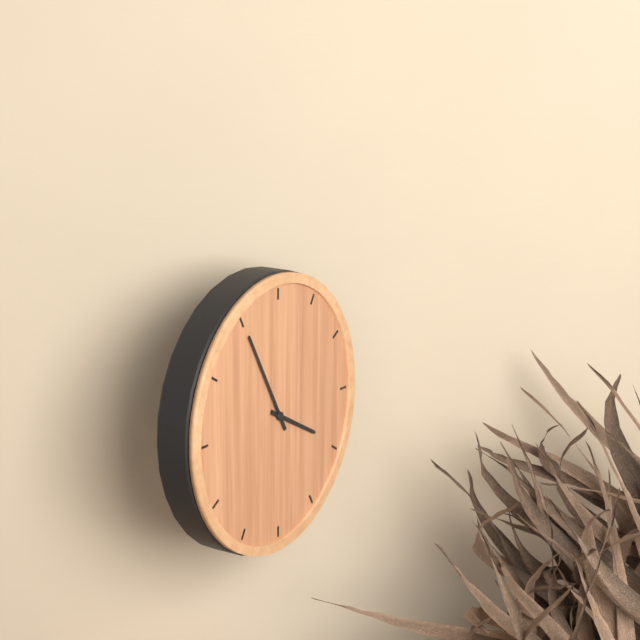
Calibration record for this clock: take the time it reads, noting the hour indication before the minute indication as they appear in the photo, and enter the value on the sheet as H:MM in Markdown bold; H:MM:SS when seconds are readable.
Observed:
**3:55**
